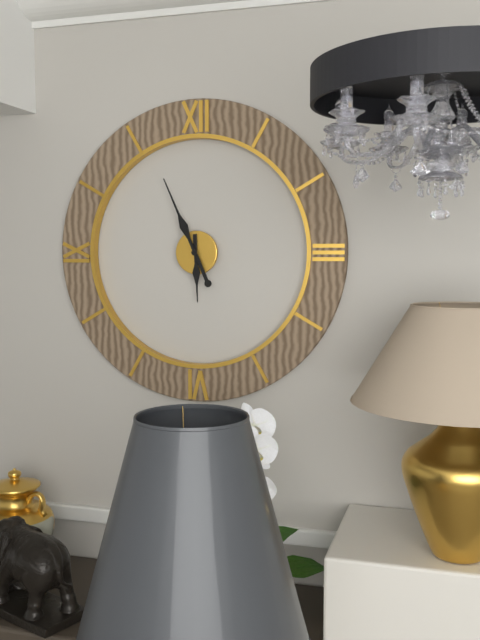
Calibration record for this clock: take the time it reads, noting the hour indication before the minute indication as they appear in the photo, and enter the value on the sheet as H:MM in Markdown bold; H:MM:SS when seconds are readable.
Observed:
**5:56**
